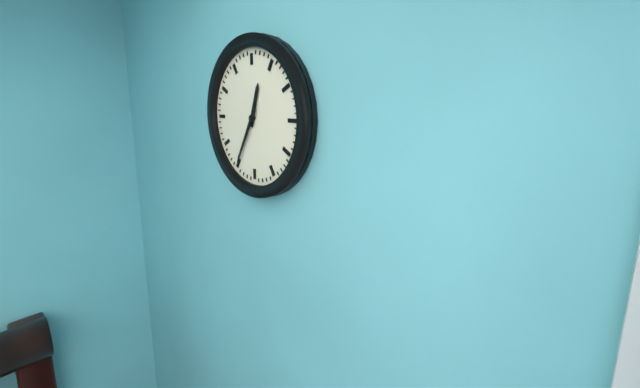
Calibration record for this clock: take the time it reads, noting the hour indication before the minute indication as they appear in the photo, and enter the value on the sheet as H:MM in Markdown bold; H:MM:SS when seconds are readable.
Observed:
**12:35**
